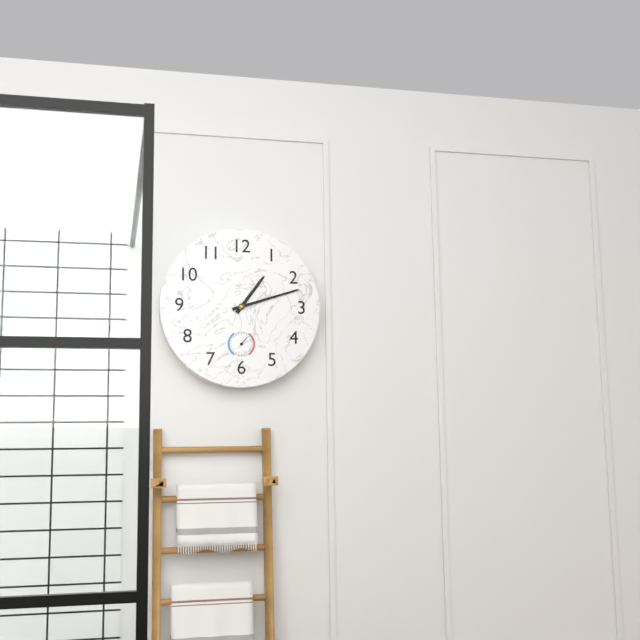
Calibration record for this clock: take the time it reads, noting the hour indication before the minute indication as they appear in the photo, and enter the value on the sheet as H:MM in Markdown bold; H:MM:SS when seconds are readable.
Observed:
**1:12**
